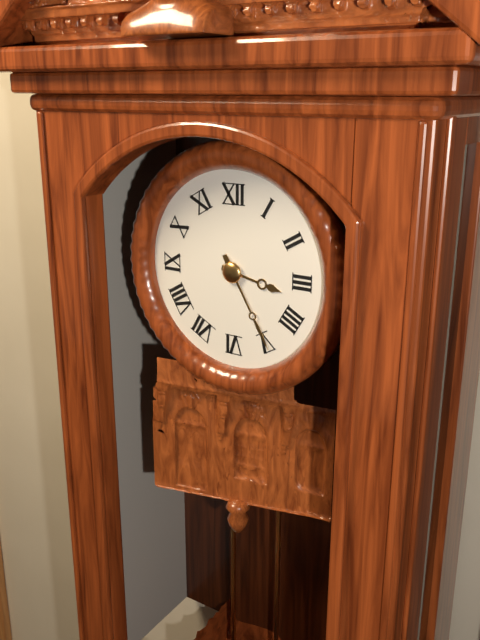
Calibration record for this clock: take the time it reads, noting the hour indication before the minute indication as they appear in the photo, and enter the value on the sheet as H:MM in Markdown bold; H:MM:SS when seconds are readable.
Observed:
**3:25**
